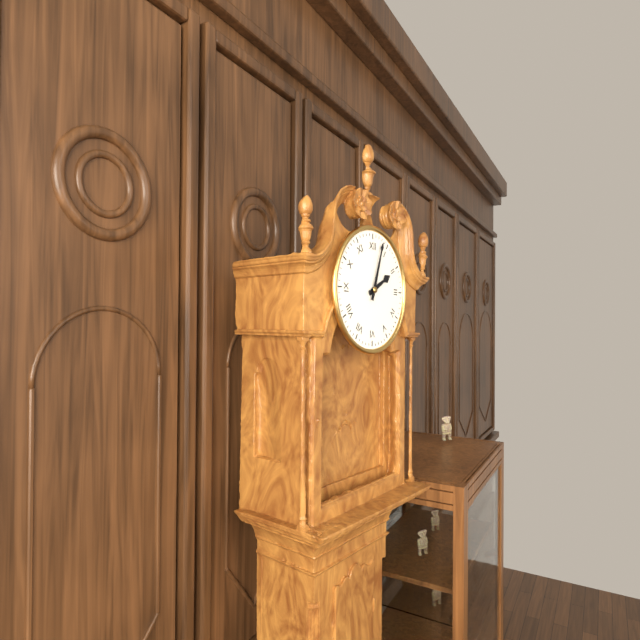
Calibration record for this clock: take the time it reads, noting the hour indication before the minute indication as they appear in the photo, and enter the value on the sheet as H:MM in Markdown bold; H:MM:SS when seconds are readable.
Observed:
**2:03**
